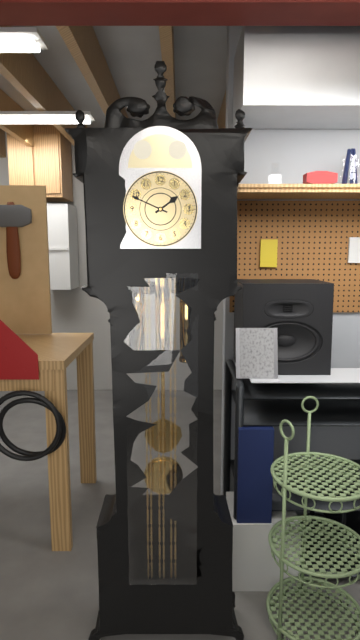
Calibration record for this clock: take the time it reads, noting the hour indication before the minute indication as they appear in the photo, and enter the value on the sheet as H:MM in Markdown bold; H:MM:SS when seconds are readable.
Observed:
**1:49**
